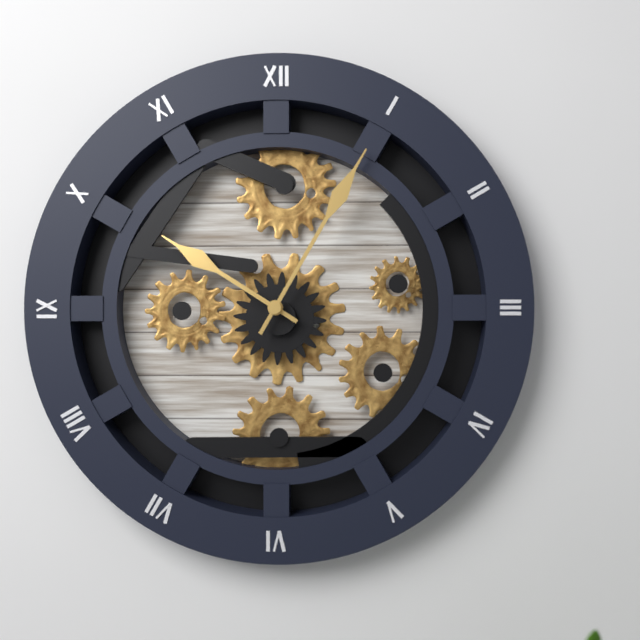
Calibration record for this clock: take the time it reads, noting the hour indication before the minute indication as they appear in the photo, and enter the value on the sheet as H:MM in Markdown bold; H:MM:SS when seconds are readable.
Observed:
**10:05**
